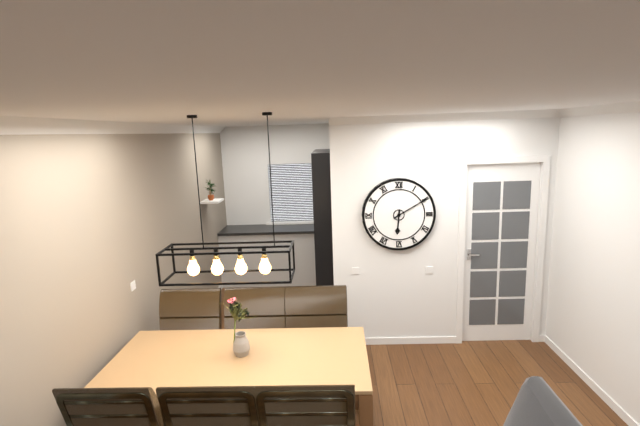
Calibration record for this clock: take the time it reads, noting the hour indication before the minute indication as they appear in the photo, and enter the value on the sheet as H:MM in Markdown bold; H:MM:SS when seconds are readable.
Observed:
**6:10**
